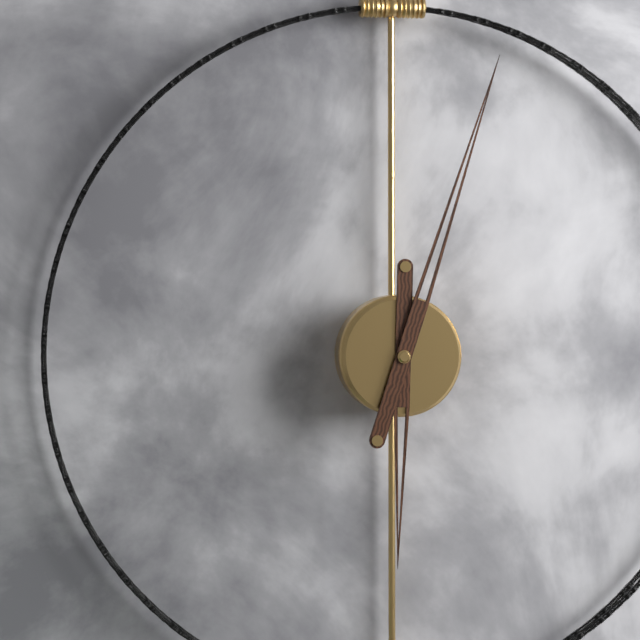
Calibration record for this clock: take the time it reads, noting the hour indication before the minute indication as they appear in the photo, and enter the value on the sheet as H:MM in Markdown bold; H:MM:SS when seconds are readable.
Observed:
**6:03**
